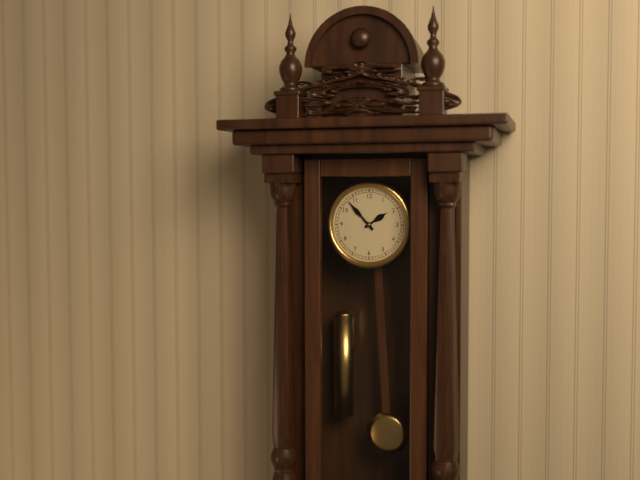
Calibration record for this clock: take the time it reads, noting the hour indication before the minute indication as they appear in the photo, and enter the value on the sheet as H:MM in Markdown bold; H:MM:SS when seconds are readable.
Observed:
**1:53**
